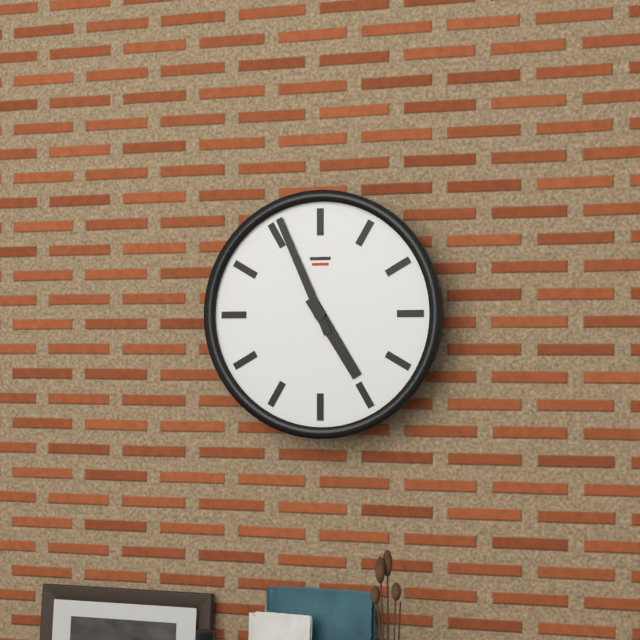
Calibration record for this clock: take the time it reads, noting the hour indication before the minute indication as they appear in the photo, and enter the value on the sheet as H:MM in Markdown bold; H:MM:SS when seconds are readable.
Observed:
**4:56**
